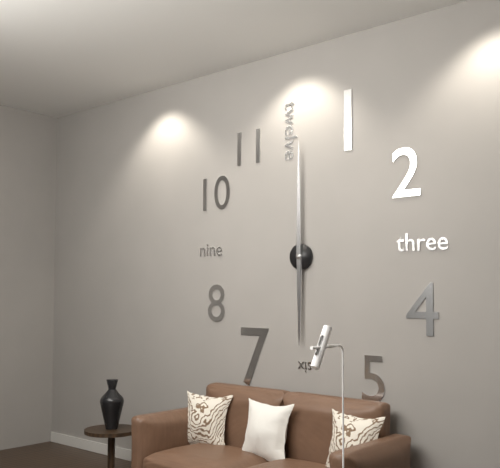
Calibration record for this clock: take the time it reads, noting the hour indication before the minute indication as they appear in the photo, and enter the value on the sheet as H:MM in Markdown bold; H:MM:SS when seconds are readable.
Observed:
**6:00**
